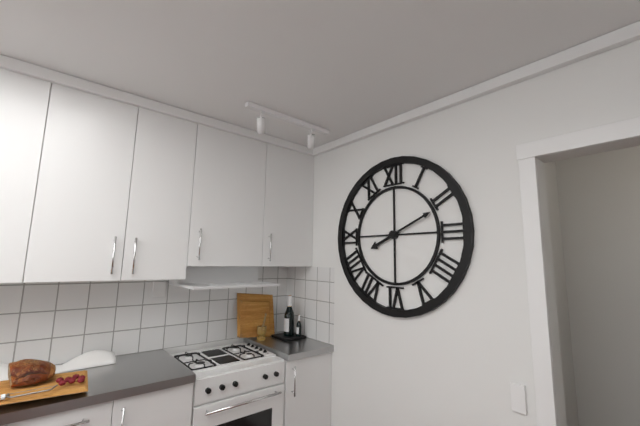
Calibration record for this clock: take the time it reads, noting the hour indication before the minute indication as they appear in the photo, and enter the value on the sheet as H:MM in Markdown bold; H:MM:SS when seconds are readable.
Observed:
**8:11**
